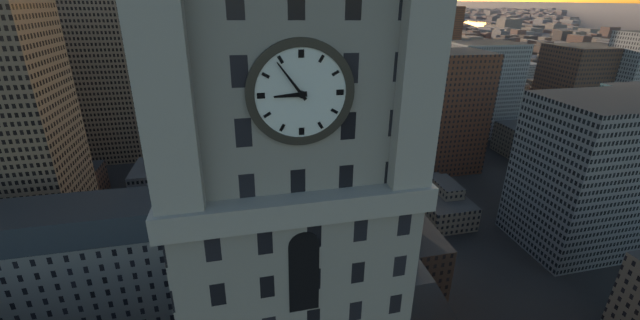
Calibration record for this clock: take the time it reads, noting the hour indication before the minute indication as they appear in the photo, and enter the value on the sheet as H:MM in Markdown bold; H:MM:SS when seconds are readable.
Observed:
**8:54**
